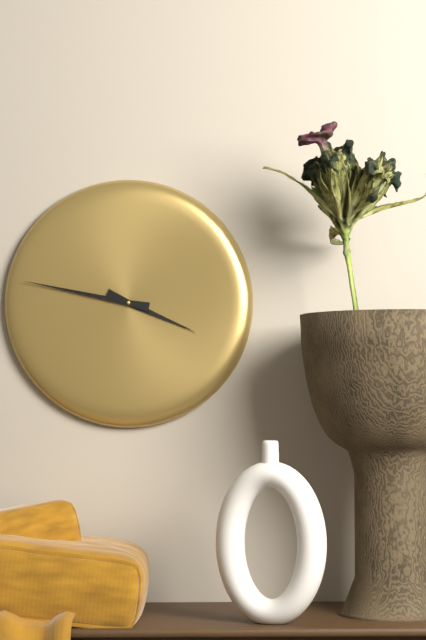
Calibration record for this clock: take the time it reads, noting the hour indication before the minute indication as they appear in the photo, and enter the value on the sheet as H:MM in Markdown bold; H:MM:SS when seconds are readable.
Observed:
**3:47**
